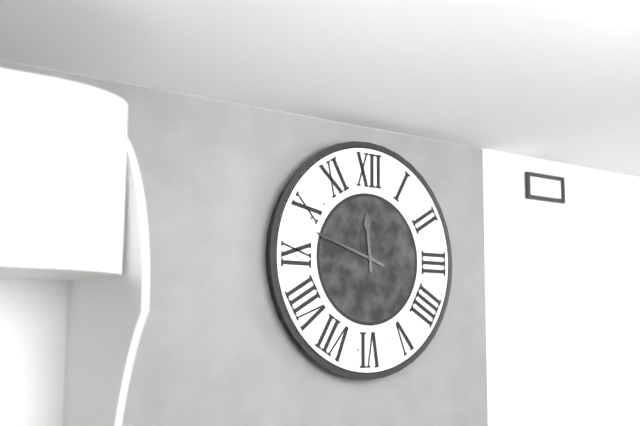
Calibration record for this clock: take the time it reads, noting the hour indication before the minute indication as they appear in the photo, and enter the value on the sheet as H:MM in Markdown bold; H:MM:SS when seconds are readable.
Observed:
**11:48**
